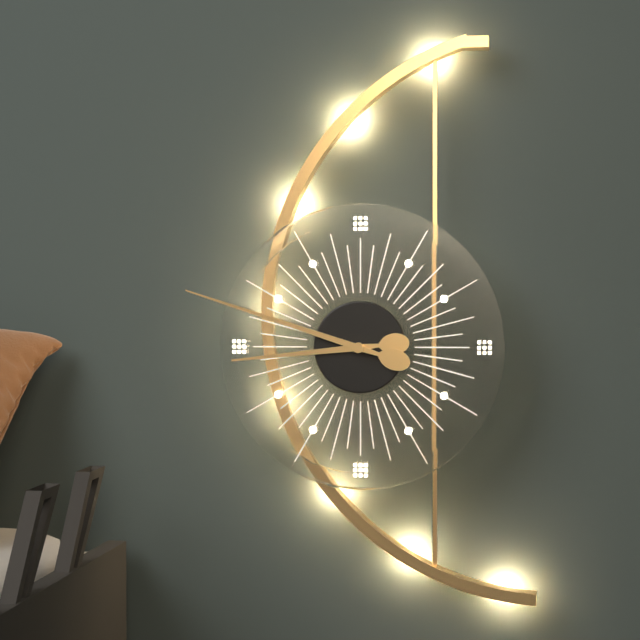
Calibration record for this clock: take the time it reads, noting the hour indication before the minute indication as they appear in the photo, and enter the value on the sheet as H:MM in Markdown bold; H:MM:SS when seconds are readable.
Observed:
**8:48**
